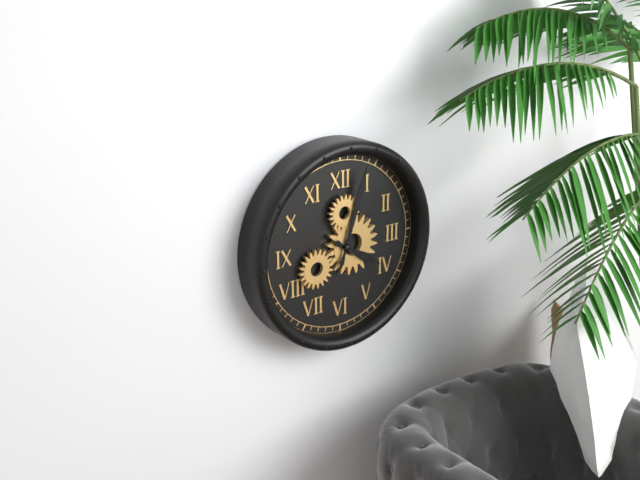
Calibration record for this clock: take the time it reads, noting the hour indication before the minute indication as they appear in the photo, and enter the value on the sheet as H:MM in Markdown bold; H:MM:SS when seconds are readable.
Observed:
**4:03**
